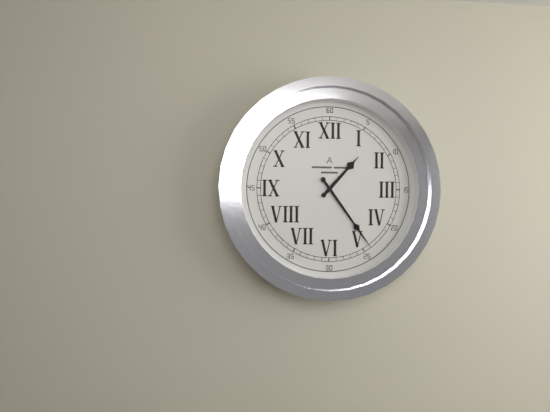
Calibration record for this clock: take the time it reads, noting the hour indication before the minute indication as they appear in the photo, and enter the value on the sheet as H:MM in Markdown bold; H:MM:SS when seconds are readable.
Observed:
**1:24**
